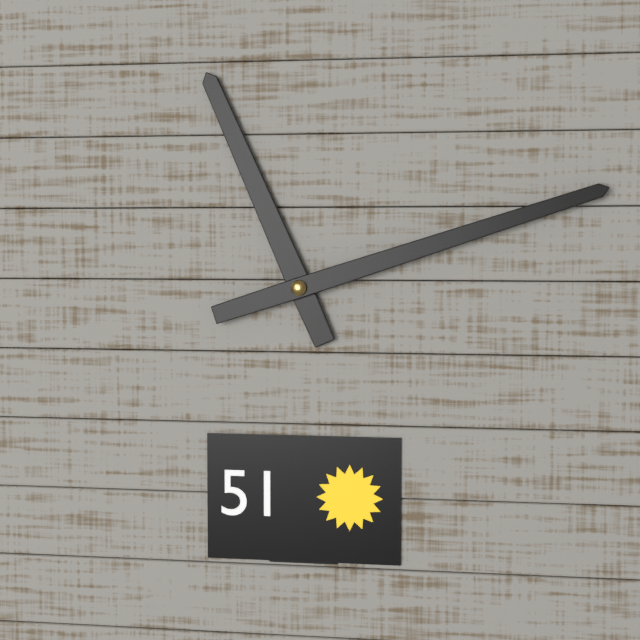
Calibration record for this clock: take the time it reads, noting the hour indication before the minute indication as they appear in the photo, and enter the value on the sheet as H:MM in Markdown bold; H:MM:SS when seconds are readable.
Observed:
**11:12**
